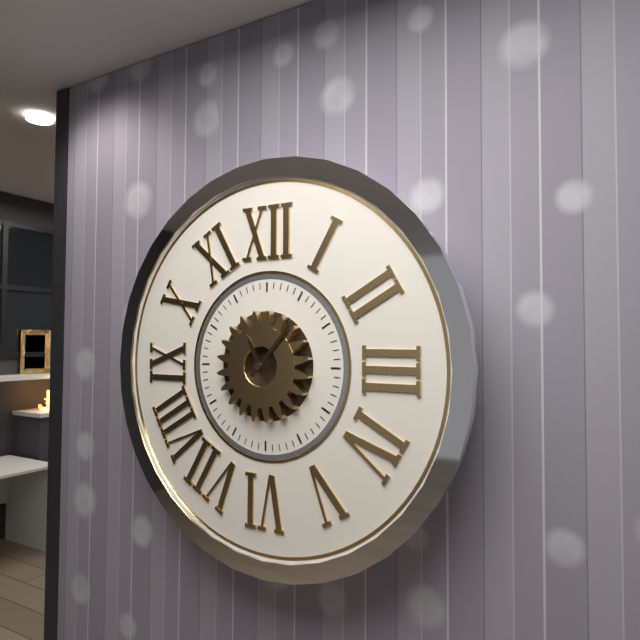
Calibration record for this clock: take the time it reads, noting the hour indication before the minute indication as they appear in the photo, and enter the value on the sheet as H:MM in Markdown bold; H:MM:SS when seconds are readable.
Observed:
**11:07**
